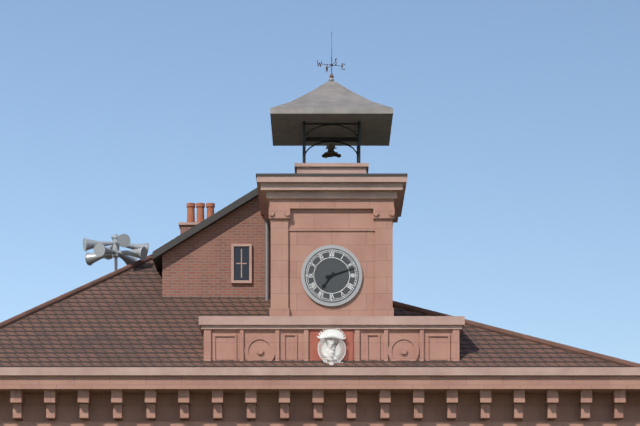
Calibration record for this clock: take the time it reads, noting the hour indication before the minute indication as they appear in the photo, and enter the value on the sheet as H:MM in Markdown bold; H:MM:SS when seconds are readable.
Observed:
**7:12**
